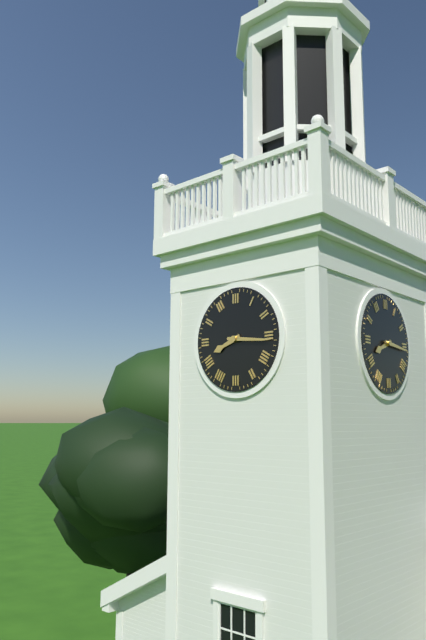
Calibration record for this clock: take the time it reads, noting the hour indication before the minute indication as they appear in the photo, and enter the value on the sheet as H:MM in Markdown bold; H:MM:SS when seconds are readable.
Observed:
**8:16**
